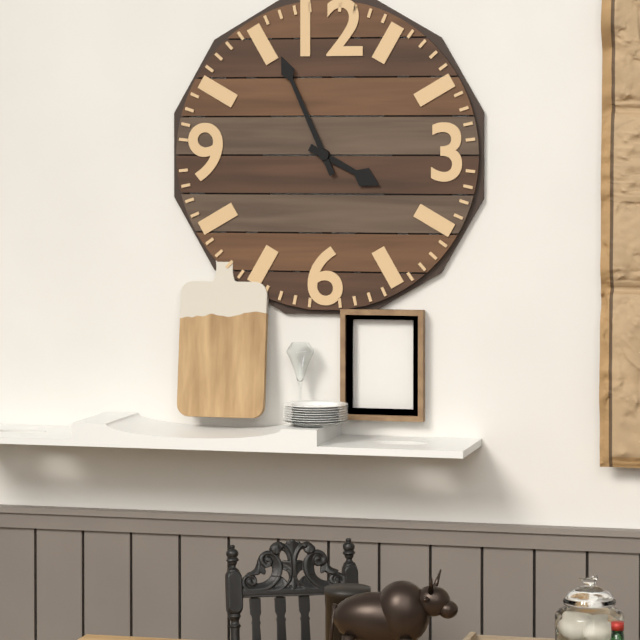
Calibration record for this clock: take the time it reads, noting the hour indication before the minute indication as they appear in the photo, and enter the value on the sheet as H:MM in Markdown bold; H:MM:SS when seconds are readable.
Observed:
**3:56**
